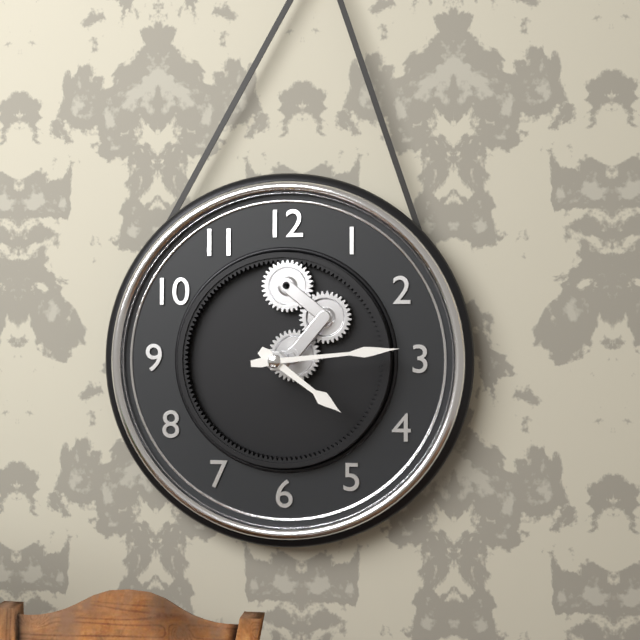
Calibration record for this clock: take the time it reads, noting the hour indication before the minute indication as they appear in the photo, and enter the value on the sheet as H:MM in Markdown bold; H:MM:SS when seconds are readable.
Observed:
**4:14**
